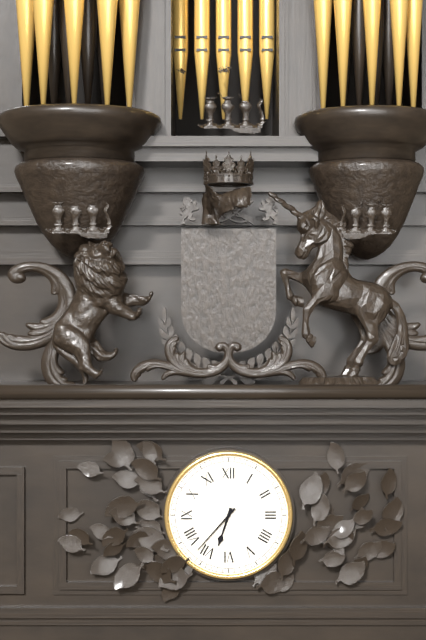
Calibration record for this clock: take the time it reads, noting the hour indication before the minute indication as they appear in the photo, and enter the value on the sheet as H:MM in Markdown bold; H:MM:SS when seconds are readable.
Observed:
**6:37**
